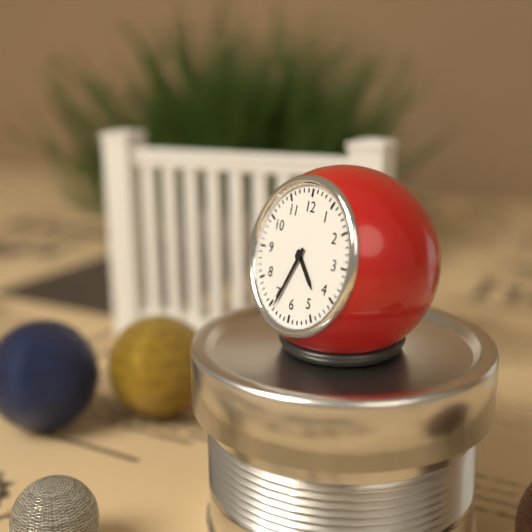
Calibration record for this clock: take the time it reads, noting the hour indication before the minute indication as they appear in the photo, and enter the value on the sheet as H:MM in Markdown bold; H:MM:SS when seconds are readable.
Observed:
**4:34**
